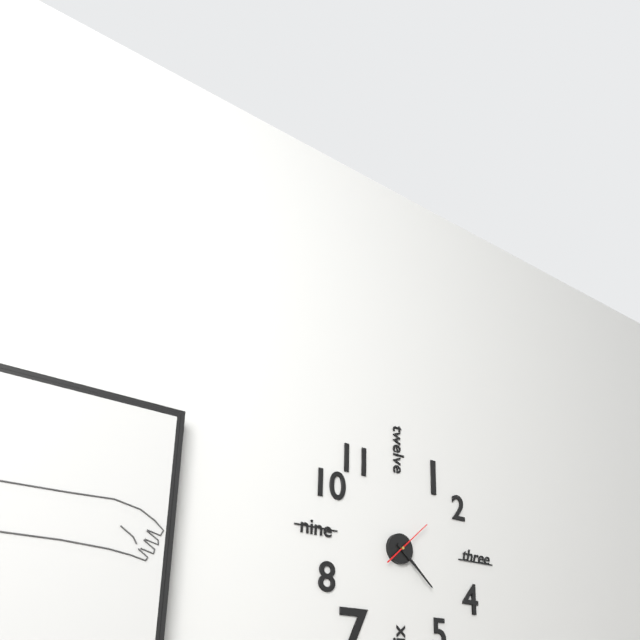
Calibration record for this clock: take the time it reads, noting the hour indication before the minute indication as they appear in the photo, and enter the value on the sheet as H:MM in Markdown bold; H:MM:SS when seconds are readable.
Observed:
**4:22**
